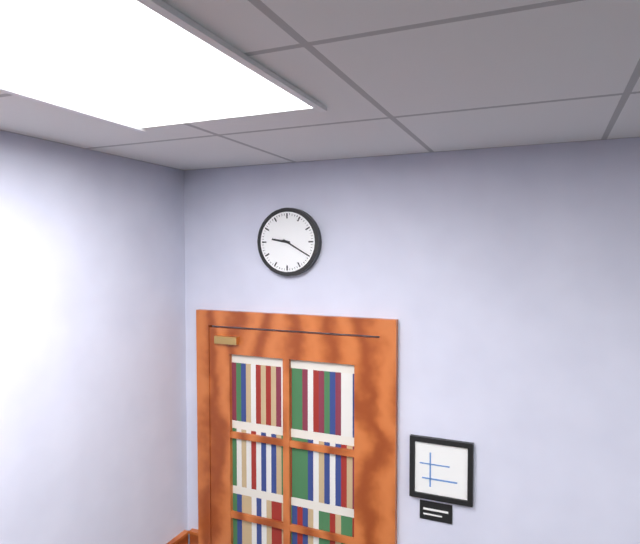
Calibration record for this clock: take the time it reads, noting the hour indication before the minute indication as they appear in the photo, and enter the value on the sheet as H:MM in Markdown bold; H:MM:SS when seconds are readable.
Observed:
**9:20**
